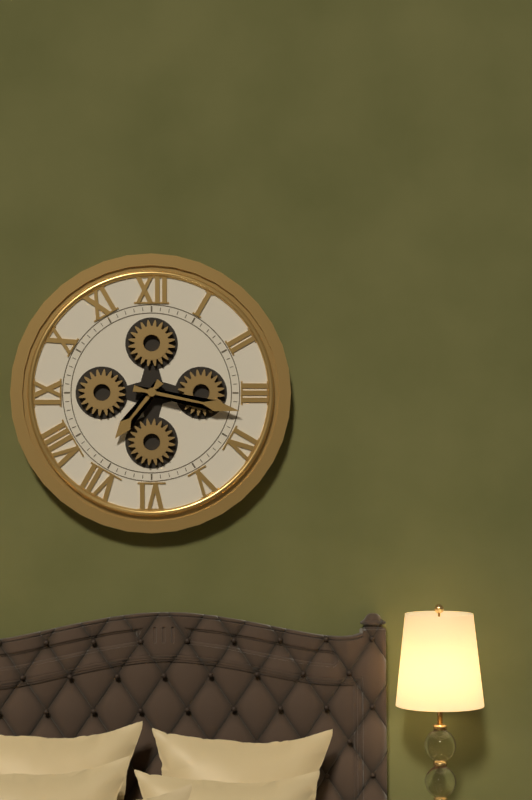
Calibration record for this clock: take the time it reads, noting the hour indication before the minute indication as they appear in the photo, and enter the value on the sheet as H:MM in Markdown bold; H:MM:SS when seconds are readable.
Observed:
**7:17**
